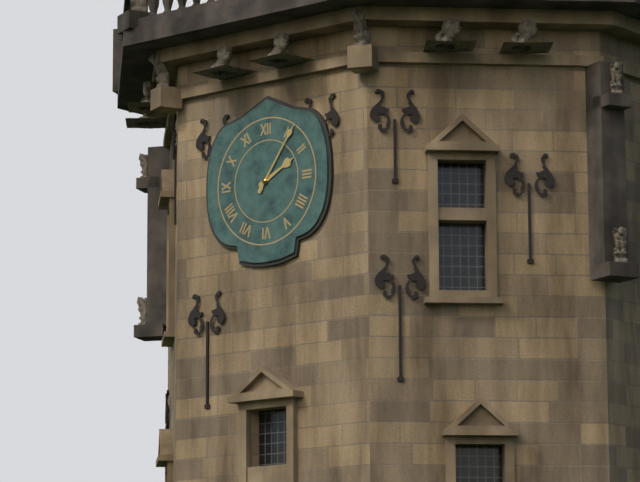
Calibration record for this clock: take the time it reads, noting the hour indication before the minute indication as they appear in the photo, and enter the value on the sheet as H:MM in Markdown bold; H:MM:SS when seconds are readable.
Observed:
**2:06**
